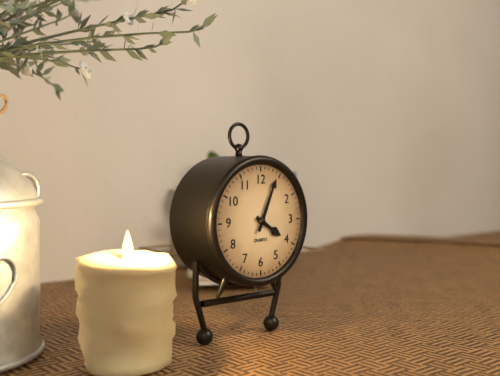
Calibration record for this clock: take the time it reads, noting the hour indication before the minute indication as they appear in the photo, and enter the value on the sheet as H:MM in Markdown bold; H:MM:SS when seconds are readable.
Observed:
**4:04**
